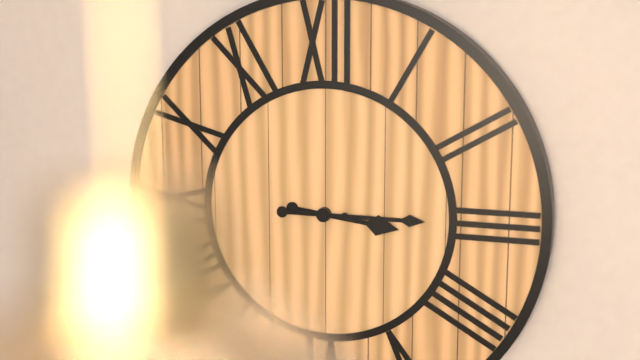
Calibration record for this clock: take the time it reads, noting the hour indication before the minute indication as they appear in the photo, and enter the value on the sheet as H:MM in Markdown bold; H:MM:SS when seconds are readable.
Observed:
**3:15**
